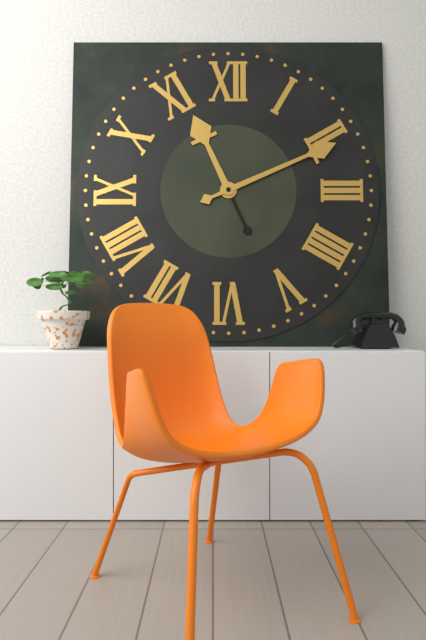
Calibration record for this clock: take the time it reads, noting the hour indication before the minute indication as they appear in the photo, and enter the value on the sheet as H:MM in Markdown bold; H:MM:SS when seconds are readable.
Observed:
**11:11**
